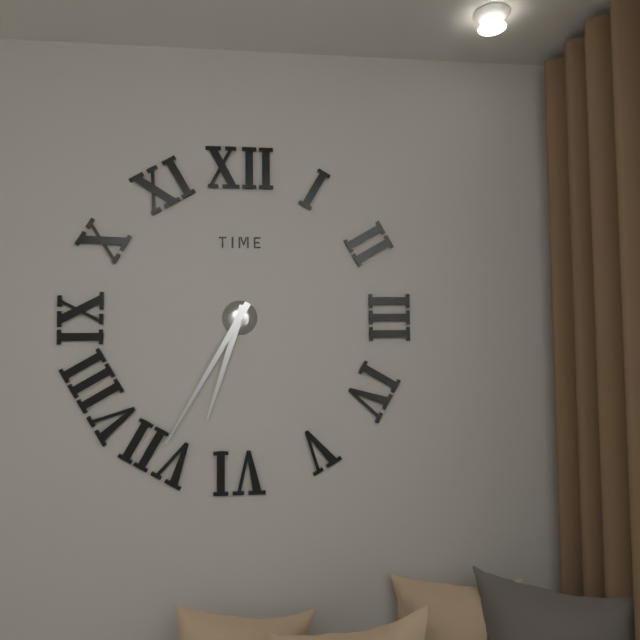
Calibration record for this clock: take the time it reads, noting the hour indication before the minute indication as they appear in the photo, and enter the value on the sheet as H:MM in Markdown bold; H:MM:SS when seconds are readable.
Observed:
**6:35**
